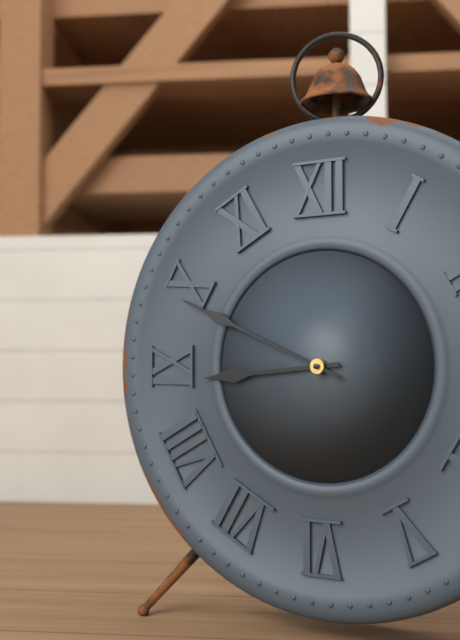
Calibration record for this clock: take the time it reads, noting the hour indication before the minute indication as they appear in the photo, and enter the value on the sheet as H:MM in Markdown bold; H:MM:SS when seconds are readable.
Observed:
**8:49**
